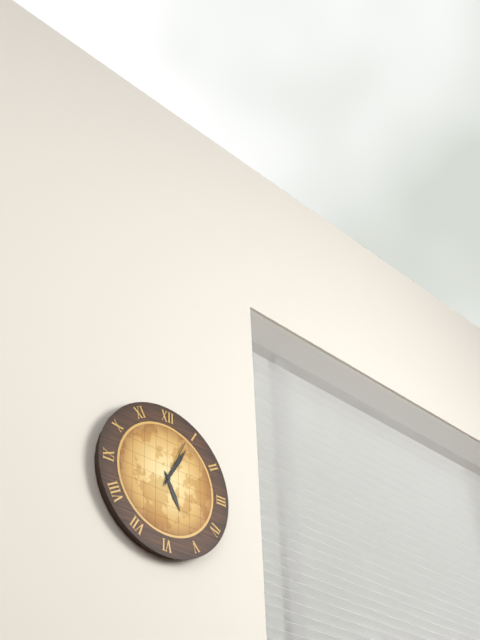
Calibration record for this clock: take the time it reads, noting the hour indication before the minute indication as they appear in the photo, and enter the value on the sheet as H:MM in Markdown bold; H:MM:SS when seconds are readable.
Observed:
**5:05**
